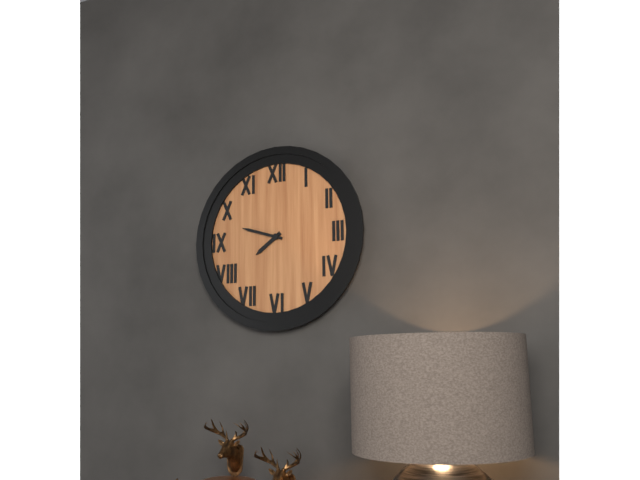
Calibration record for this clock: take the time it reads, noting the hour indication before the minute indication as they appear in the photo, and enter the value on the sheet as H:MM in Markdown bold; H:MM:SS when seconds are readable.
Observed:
**7:48**
